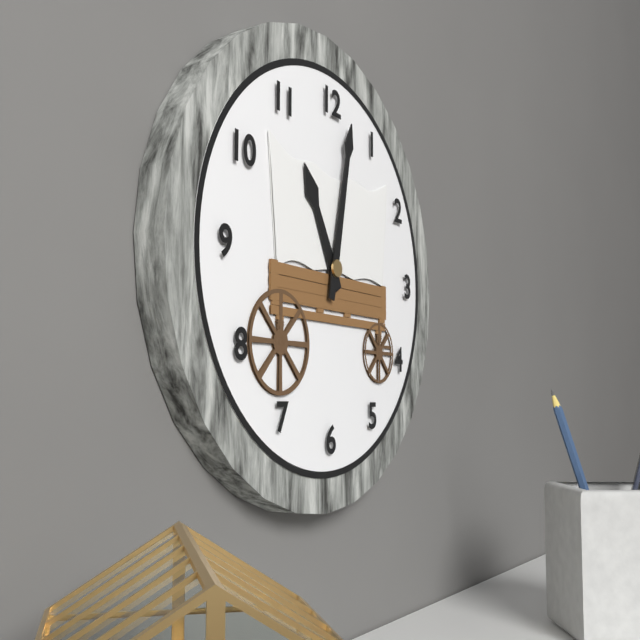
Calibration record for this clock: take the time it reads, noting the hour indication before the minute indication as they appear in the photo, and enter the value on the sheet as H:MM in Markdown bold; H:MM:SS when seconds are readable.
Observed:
**11:02**
